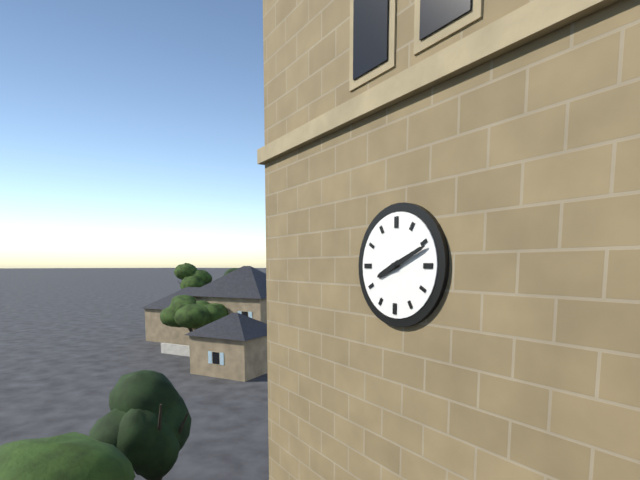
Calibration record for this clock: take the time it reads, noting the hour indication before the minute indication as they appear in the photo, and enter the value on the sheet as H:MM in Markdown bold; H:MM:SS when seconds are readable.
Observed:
**8:11**
